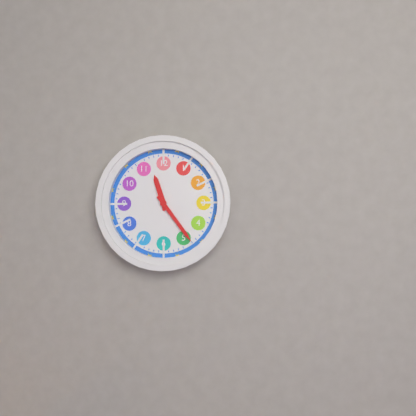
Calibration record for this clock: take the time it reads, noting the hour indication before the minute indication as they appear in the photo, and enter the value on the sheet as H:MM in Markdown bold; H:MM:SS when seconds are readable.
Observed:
**11:24**
